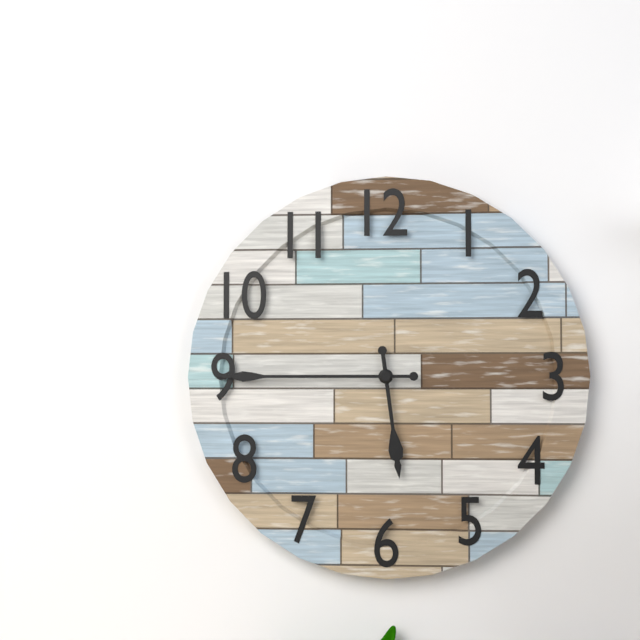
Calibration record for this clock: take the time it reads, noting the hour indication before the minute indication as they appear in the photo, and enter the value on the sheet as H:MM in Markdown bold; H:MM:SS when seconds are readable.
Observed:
**5:45**
